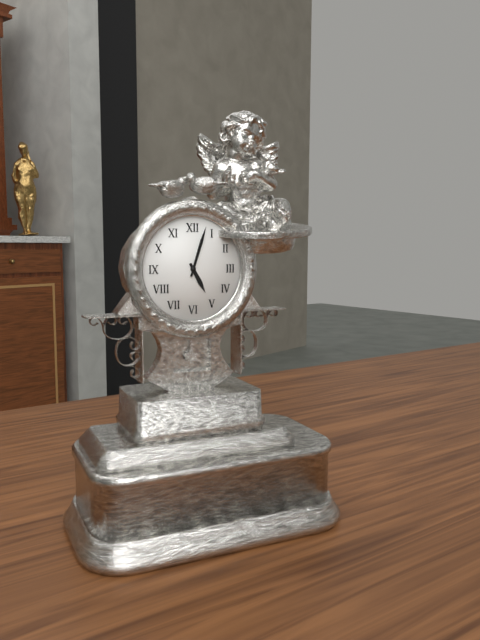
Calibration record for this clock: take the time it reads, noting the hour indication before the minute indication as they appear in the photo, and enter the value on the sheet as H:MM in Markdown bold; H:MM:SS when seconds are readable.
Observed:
**5:03**
